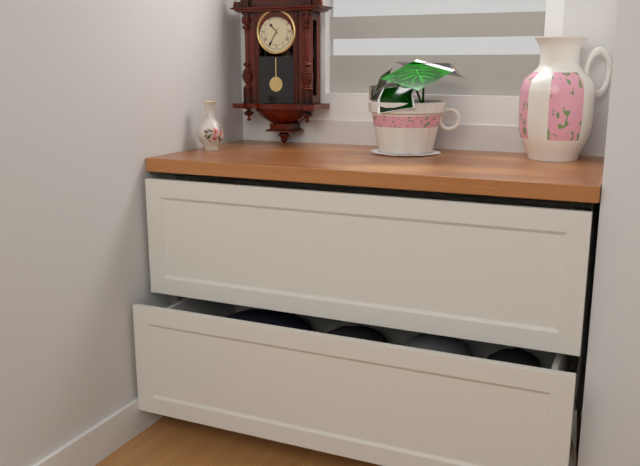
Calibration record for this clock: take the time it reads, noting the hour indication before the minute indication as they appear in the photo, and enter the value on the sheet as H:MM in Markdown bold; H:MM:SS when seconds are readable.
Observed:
**10:35**
